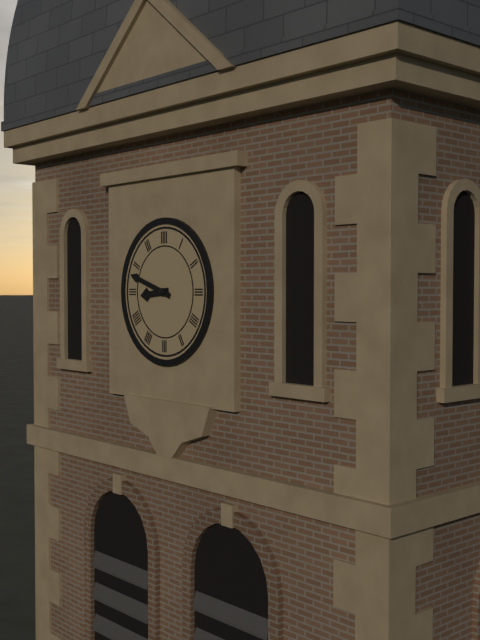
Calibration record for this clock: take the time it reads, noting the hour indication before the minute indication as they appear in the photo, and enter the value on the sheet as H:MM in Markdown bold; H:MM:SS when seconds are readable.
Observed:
**8:48**
